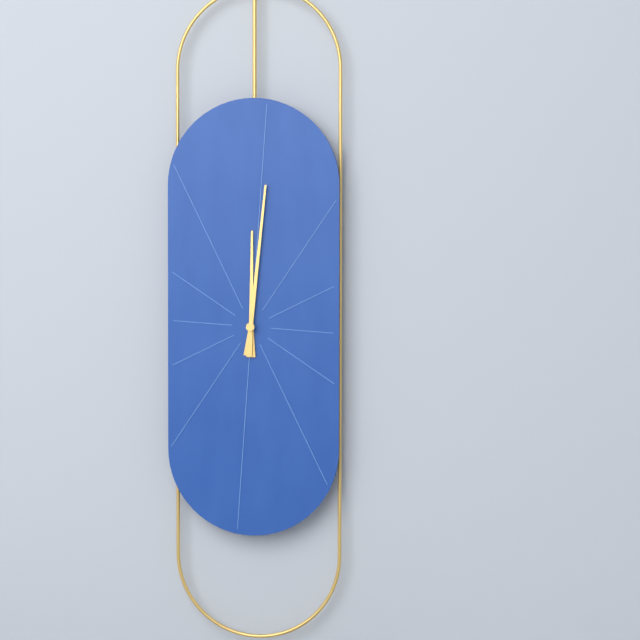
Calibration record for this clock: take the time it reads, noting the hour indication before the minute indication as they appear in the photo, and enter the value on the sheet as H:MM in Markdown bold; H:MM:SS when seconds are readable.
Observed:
**12:01**
